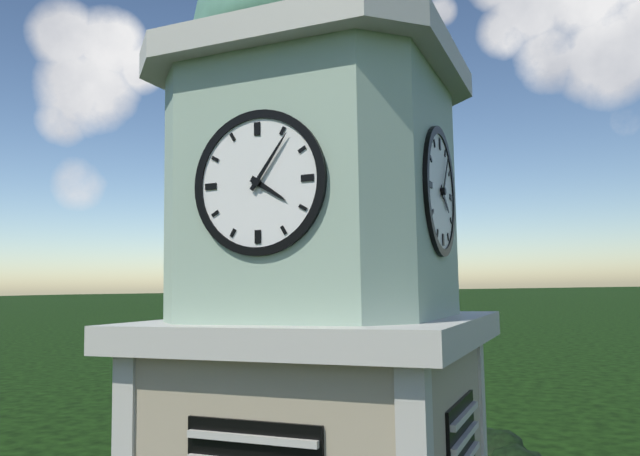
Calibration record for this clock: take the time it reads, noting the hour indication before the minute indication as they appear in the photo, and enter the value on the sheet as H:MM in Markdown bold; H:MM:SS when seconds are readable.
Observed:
**4:06**
